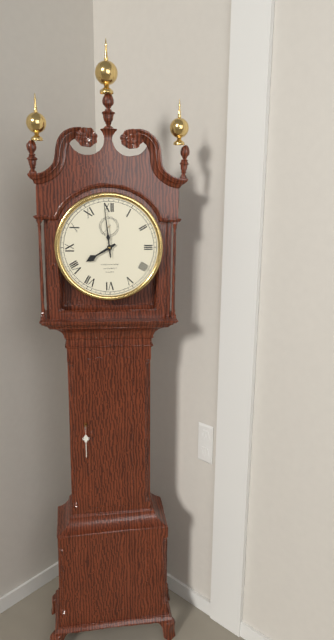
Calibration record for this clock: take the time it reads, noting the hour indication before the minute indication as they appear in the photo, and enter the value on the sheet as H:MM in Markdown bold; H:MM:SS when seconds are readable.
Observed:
**7:59**
